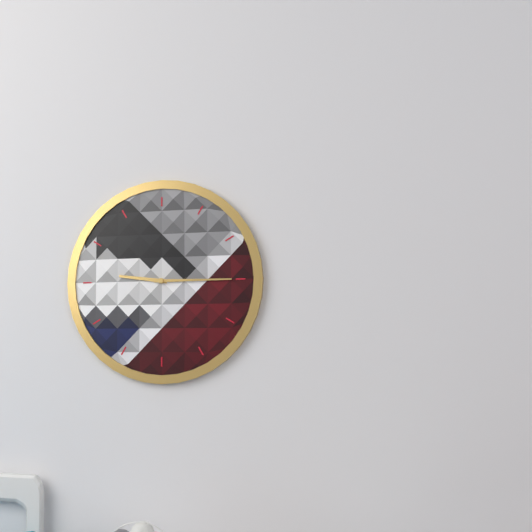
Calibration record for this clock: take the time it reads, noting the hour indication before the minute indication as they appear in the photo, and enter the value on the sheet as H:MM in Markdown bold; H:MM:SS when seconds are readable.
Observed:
**9:15**
